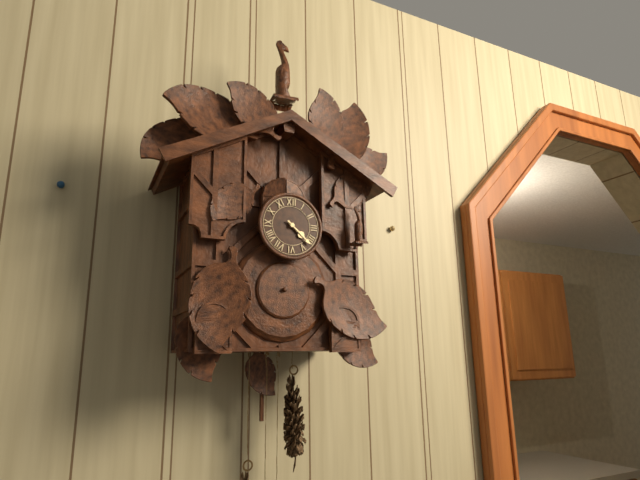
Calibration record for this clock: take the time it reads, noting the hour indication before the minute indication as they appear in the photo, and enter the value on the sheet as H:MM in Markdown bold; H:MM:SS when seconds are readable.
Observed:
**4:22**
